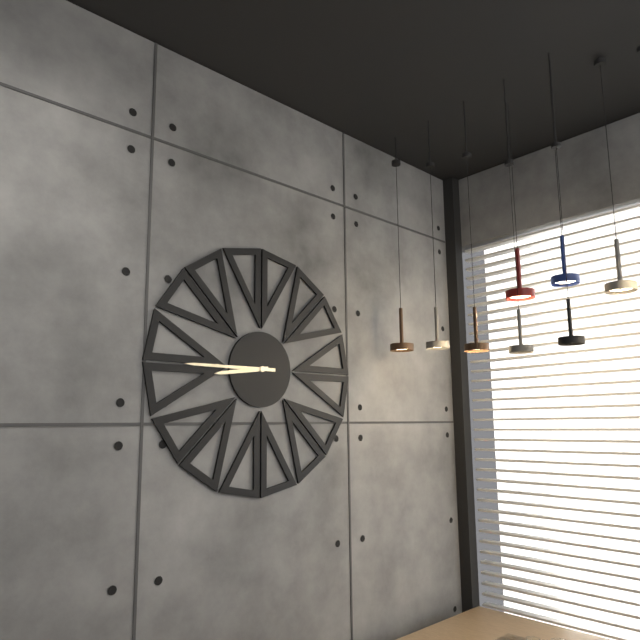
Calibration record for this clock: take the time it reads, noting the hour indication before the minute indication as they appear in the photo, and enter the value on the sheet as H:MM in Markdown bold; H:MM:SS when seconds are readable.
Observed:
**8:45**
